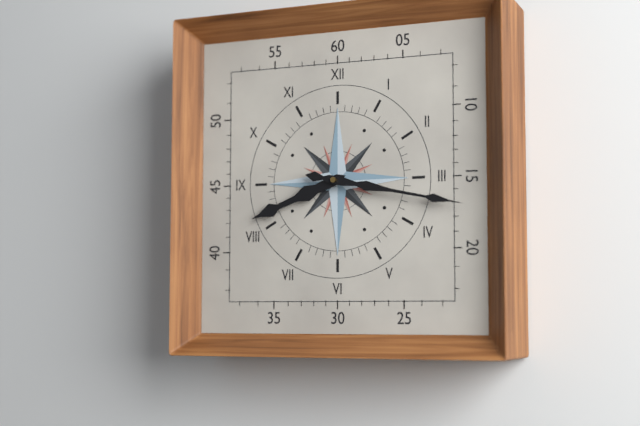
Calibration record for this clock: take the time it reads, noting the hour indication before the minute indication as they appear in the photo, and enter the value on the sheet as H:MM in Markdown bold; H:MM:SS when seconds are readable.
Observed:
**8:17**
